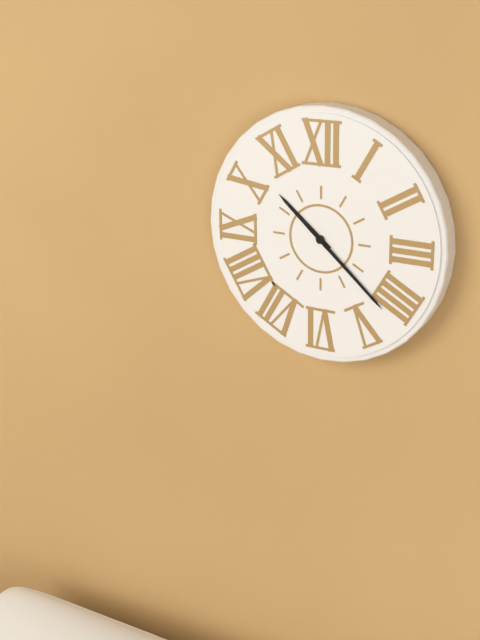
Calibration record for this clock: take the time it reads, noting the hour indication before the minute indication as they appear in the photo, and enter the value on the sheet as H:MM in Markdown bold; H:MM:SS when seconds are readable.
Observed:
**10:22**
